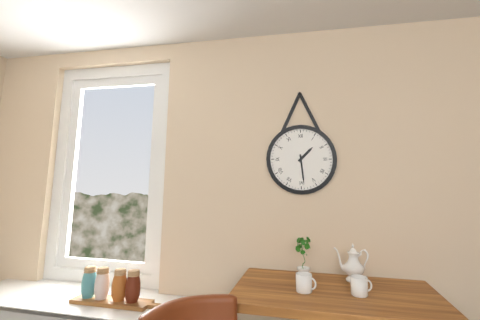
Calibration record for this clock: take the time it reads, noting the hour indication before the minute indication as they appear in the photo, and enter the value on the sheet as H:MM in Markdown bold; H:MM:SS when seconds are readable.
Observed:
**1:29**
